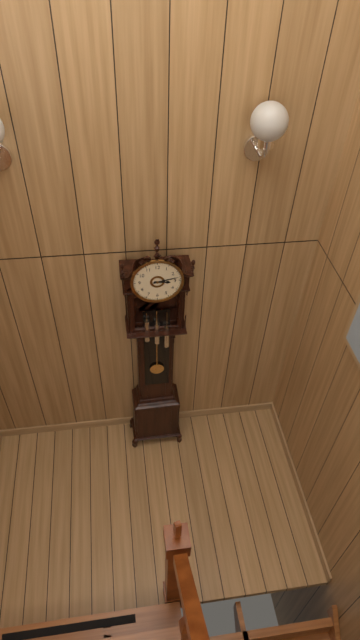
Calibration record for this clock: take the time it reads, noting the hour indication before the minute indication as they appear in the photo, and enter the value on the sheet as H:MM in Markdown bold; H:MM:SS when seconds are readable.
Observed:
**3:13**
